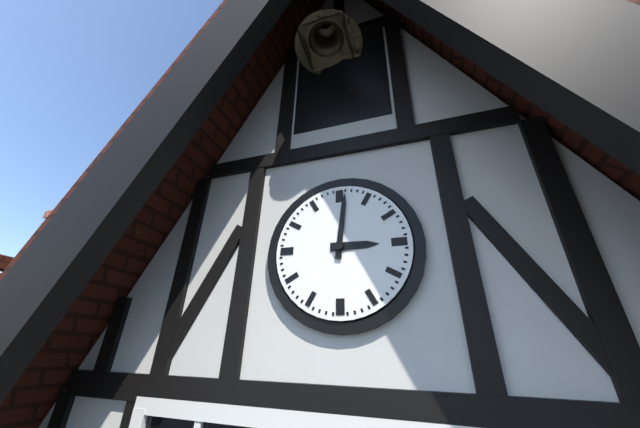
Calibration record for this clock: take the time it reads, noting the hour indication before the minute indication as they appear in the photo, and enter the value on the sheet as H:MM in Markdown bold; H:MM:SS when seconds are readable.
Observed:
**3:01**
